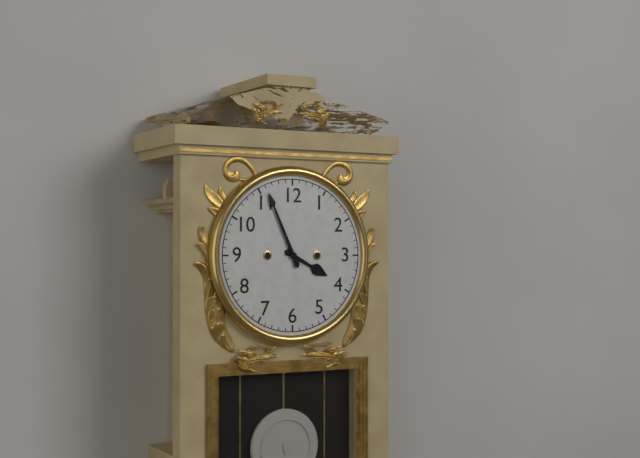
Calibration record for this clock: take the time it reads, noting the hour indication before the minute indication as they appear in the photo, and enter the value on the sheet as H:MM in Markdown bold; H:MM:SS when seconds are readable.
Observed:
**3:56**
